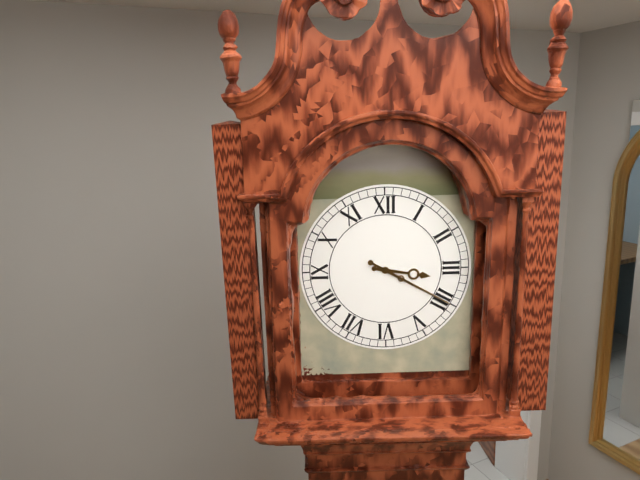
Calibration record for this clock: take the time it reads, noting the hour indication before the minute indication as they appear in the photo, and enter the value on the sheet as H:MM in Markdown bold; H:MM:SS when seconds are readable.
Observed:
**3:20**
